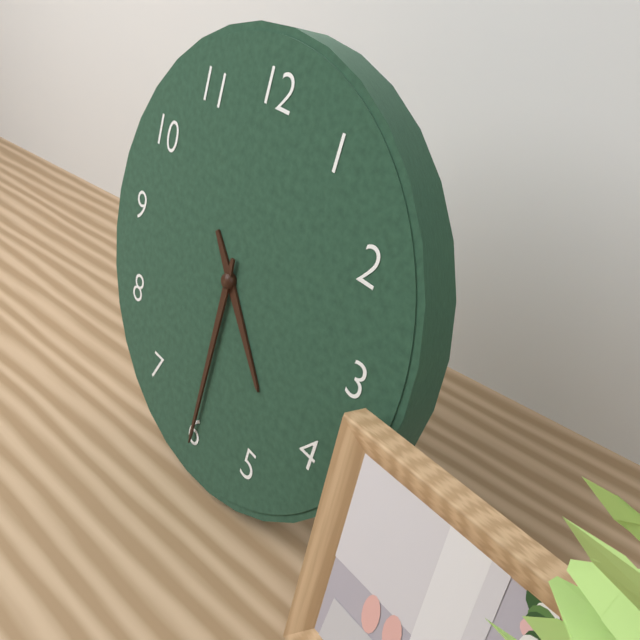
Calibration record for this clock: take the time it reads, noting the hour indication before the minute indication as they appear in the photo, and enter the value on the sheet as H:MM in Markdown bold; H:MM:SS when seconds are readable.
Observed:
**4:30**
